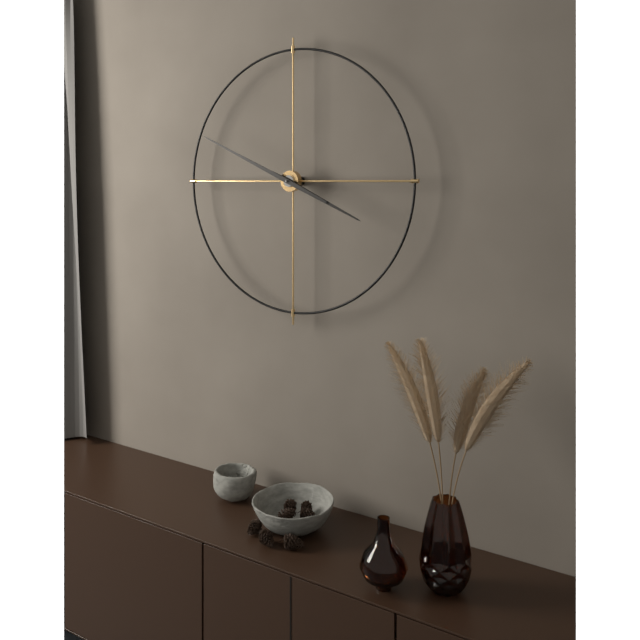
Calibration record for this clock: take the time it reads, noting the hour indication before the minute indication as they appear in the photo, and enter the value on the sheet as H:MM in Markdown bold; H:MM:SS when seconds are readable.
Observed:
**3:49**
